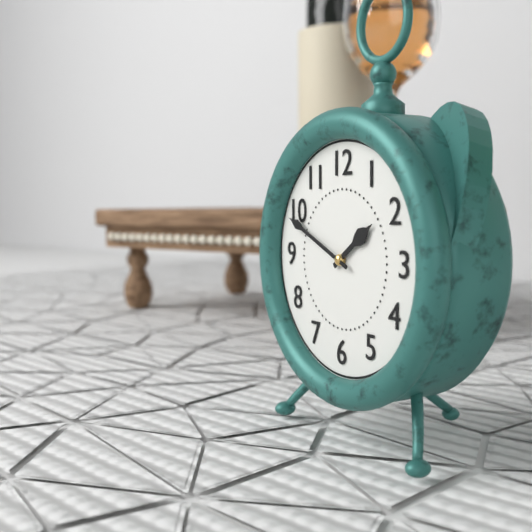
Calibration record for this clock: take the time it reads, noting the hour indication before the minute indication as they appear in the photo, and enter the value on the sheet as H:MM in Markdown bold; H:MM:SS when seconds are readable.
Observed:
**1:49**
